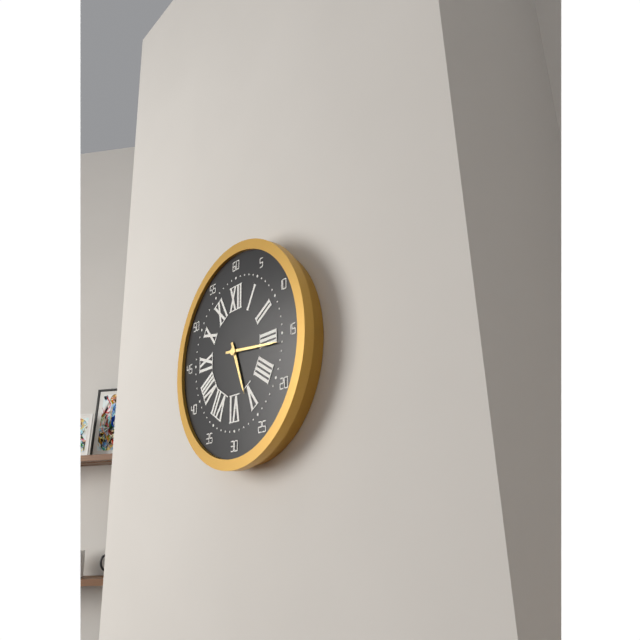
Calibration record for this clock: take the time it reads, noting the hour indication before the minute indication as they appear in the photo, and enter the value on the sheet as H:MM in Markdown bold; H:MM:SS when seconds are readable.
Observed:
**5:16**
